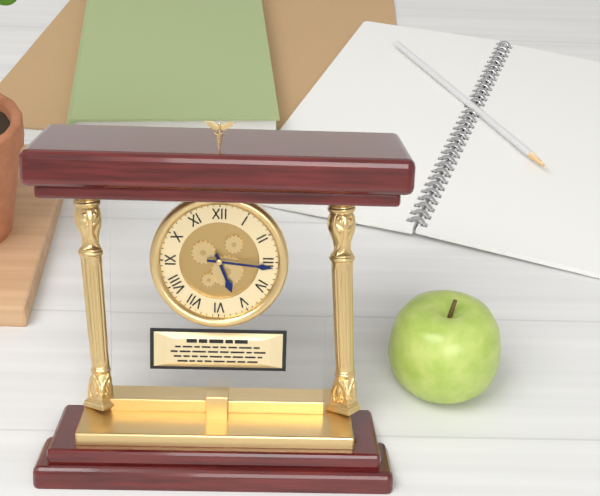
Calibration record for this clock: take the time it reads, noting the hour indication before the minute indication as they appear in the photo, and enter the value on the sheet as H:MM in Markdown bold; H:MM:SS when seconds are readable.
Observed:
**5:16**
